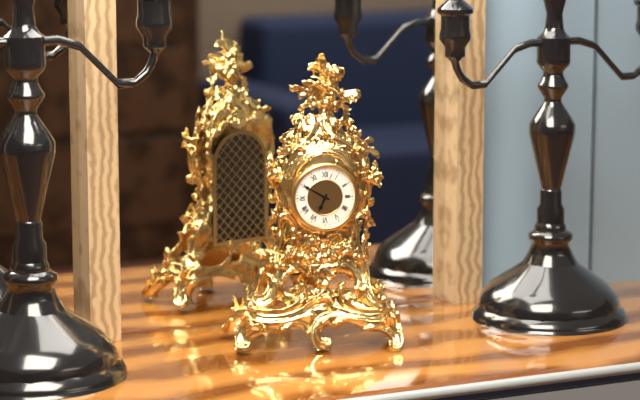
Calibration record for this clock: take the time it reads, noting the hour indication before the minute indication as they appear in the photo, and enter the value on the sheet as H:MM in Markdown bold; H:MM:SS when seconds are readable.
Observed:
**6:50**
